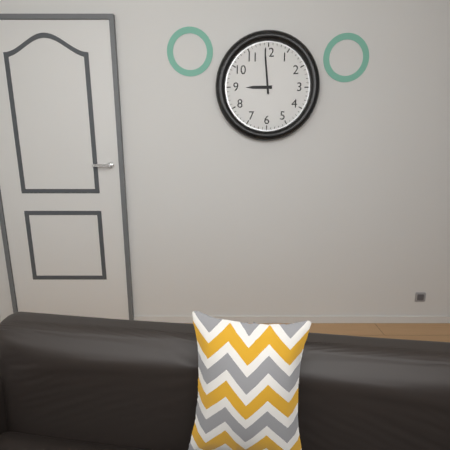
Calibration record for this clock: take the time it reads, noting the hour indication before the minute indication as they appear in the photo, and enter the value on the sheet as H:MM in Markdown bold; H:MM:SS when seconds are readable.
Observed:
**8:59**
